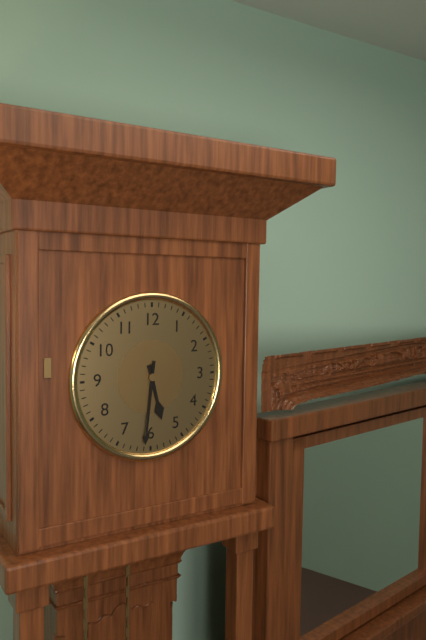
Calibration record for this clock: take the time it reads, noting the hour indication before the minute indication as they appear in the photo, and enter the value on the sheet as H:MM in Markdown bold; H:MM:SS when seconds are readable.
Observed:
**5:31**
